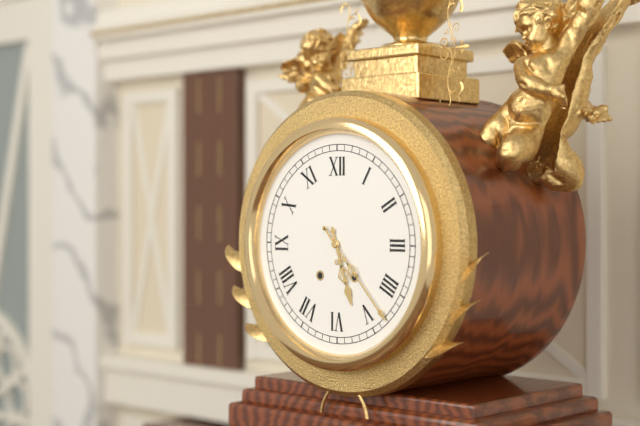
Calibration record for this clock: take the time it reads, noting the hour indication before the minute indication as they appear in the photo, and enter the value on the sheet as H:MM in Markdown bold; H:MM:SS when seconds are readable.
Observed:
**5:23**
